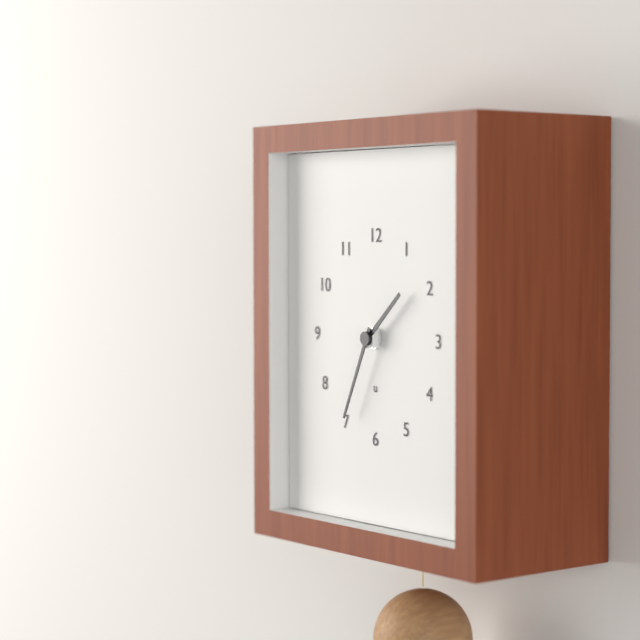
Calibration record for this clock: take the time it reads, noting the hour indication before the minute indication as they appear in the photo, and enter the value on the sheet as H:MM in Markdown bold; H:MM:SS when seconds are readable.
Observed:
**1:34**
